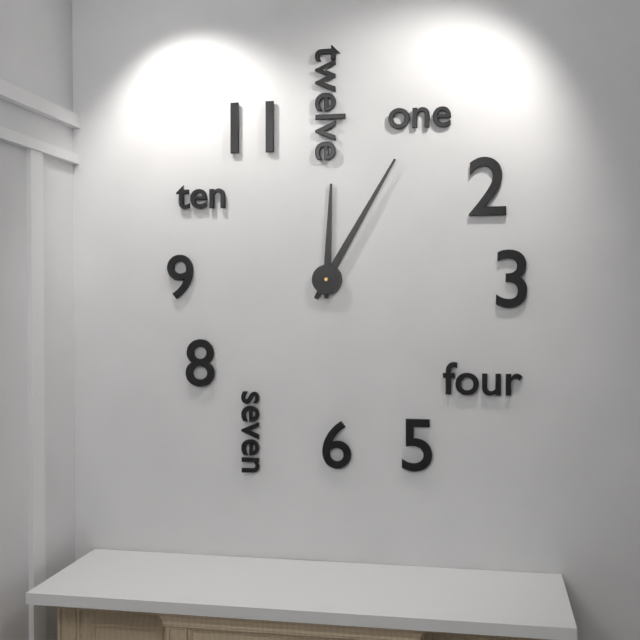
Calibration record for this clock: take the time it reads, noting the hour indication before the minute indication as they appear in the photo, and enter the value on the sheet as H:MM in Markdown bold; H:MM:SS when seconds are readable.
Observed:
**12:05**
